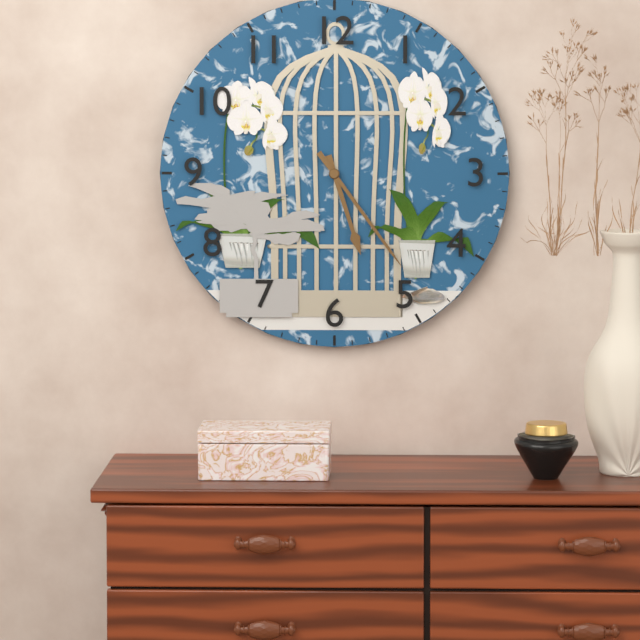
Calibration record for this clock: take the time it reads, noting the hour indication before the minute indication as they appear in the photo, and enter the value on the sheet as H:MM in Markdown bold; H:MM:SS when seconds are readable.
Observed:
**5:24**
